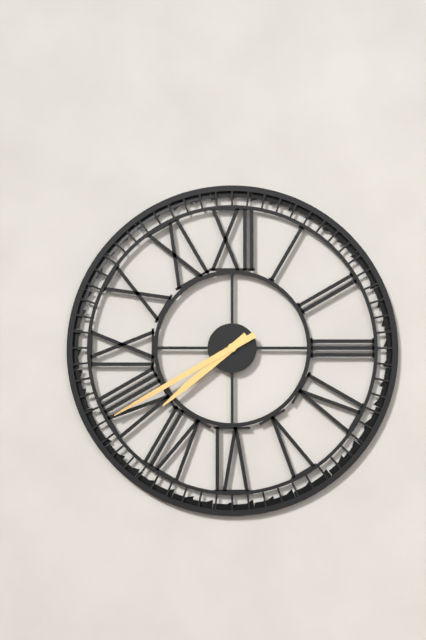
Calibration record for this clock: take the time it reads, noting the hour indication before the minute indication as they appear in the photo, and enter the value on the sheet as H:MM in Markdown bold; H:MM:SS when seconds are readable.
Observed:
**7:40**
